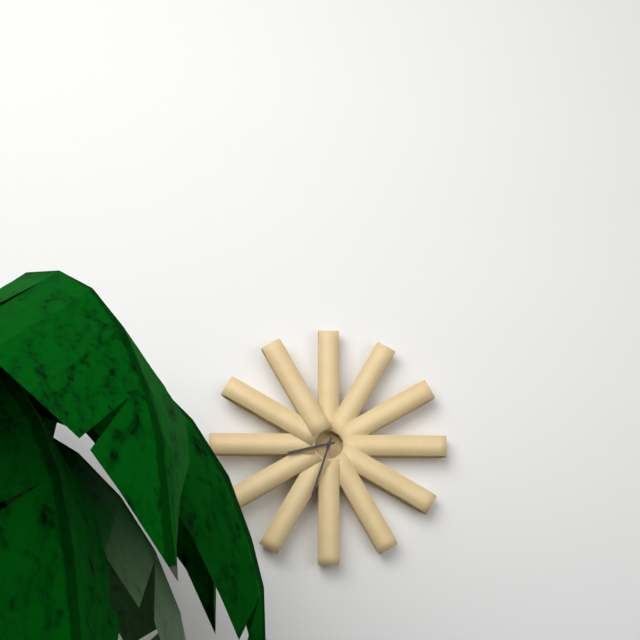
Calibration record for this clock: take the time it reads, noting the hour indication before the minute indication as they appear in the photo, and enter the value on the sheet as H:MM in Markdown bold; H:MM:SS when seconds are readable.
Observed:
**8:33**
